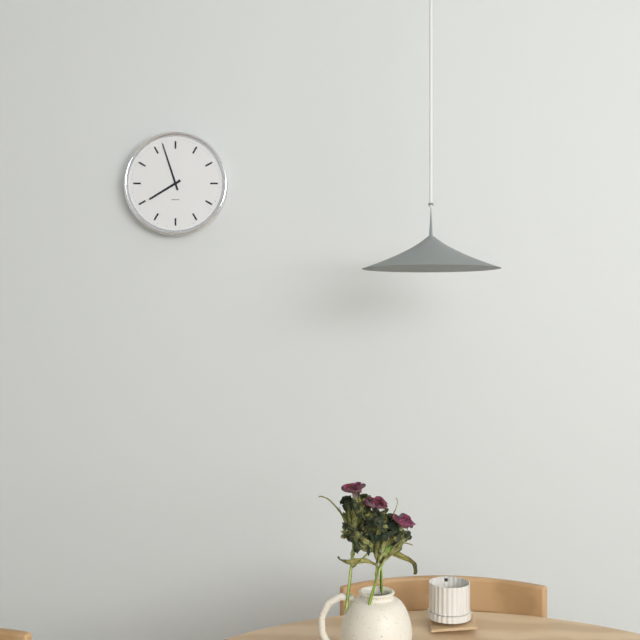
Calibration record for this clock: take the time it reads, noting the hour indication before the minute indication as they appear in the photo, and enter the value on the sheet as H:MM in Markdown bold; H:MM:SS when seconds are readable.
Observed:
**7:57**
